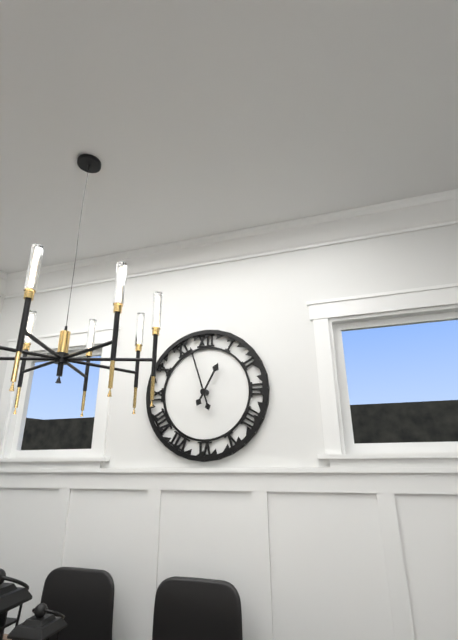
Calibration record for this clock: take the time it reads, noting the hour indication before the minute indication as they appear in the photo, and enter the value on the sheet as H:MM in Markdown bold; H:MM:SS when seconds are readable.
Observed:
**12:57**
